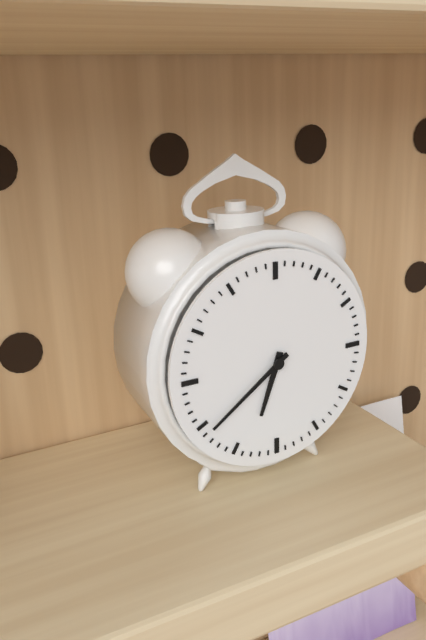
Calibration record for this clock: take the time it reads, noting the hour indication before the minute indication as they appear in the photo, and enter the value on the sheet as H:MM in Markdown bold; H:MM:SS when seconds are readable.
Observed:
**6:39**
